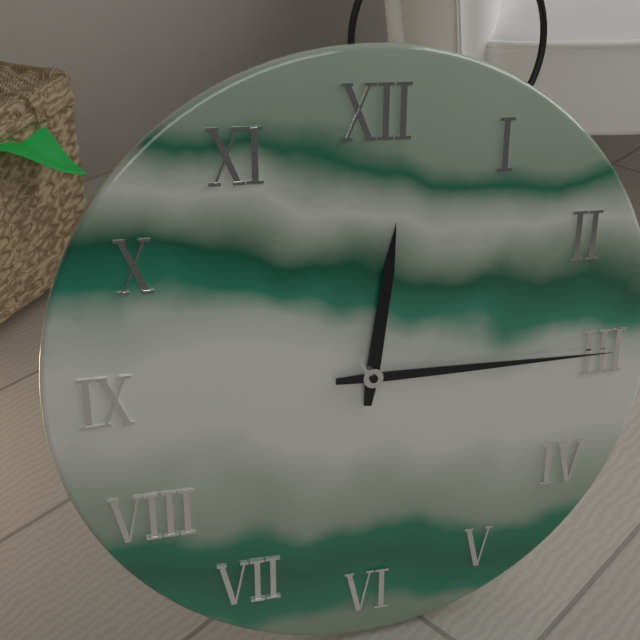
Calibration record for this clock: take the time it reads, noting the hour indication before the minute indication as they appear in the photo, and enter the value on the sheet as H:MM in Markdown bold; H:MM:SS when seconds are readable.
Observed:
**12:15**
